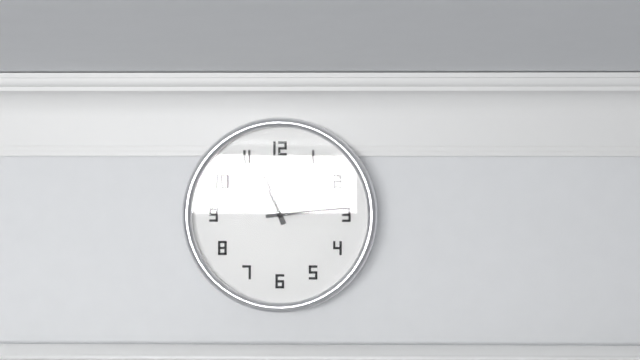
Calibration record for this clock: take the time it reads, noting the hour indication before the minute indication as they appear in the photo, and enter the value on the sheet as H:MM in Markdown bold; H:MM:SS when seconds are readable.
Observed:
**11:14**
